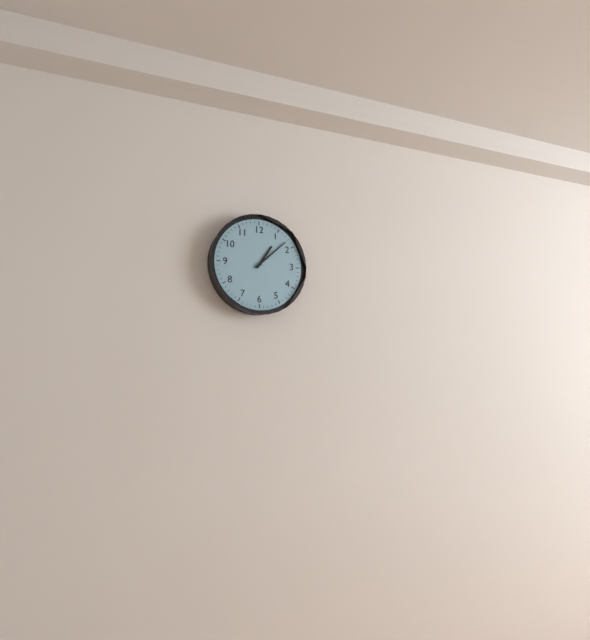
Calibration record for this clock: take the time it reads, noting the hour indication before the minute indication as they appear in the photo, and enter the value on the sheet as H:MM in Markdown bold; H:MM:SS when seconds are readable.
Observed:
**1:08**
